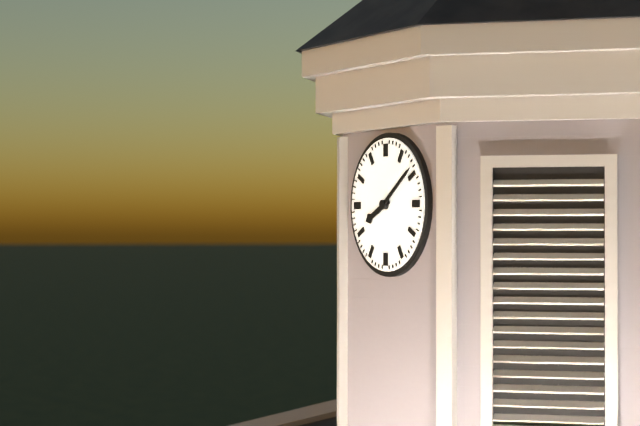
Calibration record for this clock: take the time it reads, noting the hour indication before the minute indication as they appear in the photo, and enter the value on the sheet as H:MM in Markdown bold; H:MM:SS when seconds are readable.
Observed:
**8:09**
